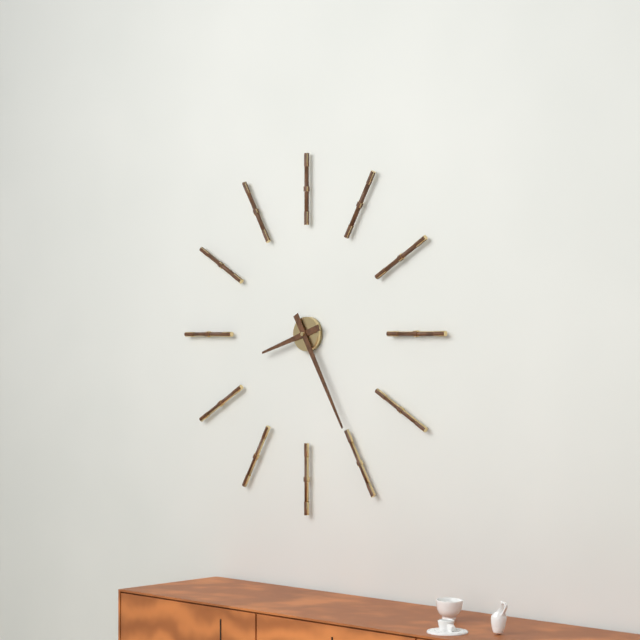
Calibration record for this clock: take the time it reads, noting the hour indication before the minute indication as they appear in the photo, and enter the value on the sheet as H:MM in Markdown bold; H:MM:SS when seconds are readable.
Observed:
**8:25**
